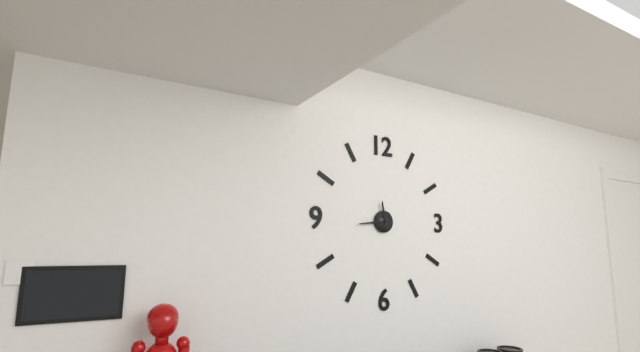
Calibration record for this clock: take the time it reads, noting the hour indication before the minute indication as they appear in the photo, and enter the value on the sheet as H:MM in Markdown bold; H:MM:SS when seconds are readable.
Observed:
**11:44**
